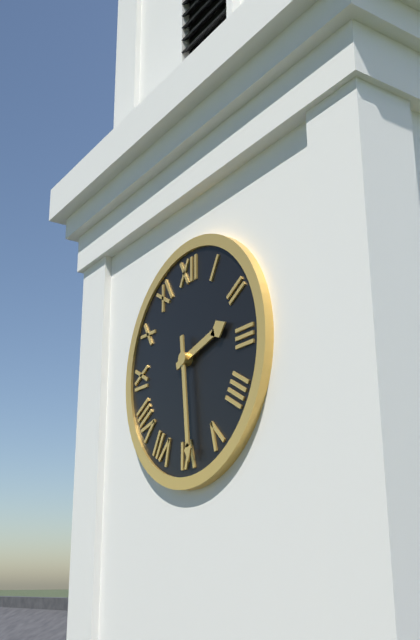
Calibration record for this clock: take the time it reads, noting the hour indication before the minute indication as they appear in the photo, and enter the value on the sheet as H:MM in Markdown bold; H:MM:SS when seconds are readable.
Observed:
**2:29**
